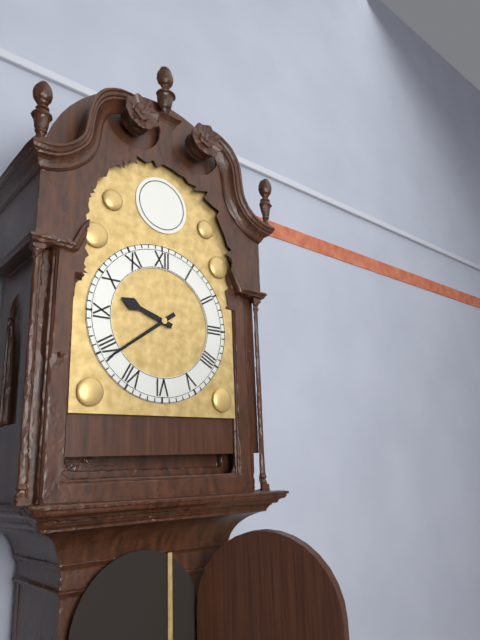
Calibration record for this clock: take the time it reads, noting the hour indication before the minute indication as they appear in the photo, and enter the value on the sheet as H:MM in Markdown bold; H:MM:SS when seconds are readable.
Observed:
**9:39**
